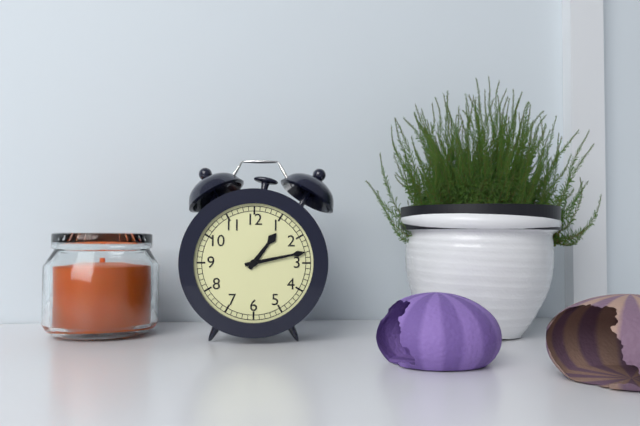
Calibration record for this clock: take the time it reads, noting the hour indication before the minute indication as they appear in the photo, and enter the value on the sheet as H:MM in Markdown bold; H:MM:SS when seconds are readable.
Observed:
**1:13**
